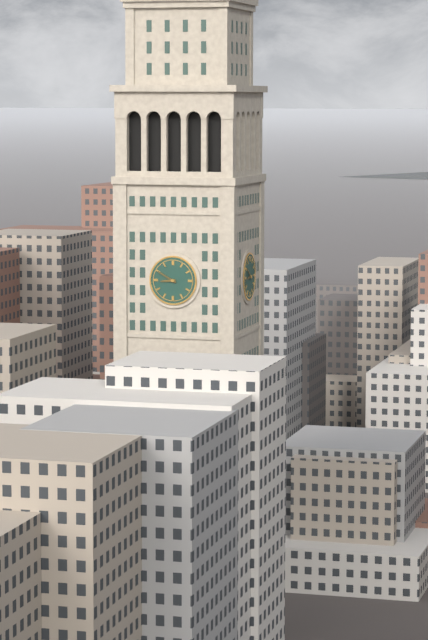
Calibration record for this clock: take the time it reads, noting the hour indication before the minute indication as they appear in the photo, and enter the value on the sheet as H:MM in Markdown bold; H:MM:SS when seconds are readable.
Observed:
**8:50**
